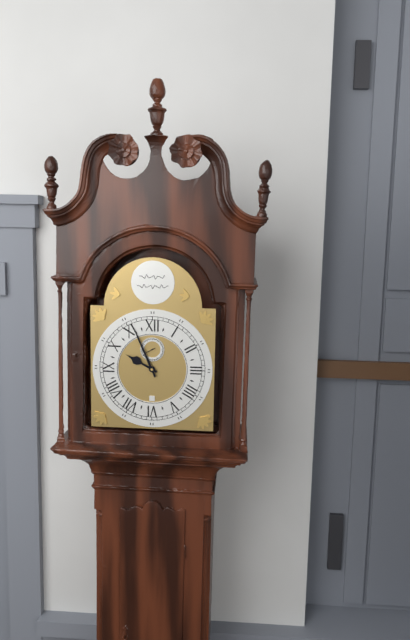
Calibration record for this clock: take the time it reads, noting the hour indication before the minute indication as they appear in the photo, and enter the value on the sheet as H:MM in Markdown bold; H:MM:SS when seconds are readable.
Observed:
**9:56**
